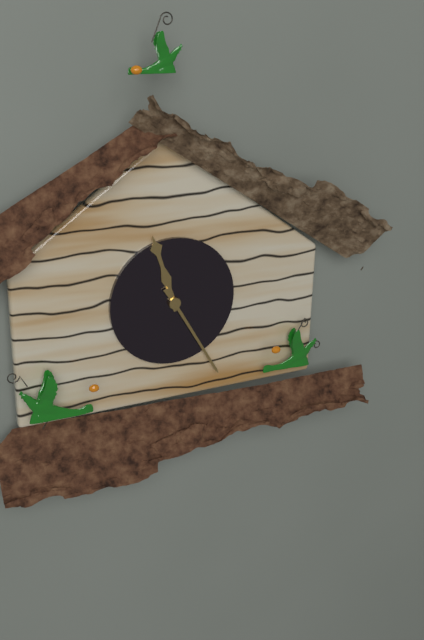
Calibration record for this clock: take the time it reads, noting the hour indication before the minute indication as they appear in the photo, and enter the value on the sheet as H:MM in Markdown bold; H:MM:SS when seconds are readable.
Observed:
**11:25**
